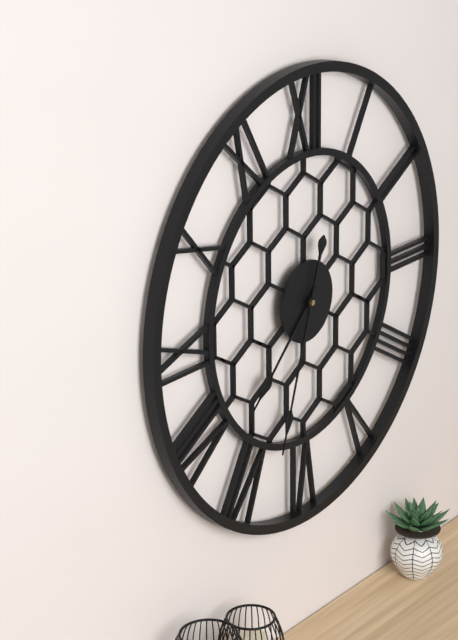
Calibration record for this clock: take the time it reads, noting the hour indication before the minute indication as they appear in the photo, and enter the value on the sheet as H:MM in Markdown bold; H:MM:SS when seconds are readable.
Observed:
**7:33**
